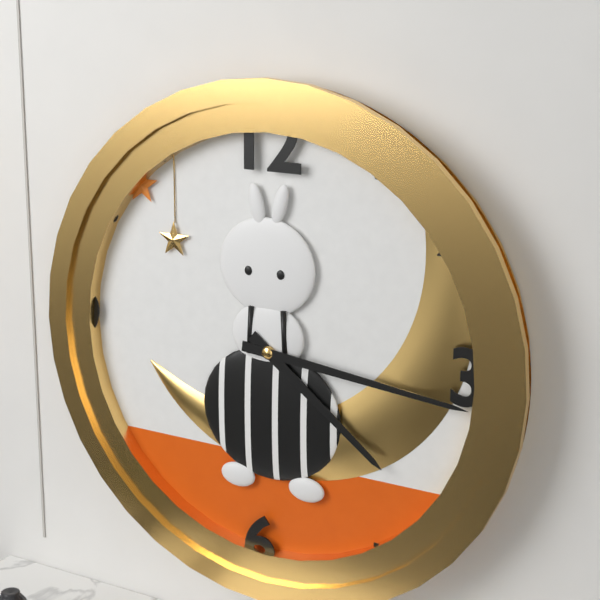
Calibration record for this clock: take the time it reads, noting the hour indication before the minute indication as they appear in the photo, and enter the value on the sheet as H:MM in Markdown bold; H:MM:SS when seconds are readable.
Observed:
**4:16**
